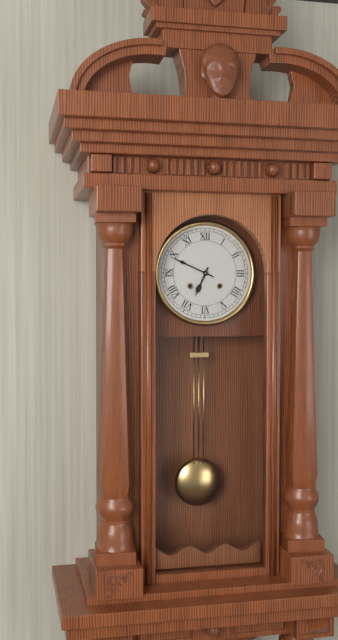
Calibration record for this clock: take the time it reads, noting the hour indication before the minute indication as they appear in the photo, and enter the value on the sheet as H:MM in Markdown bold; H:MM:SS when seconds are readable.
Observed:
**6:49**
